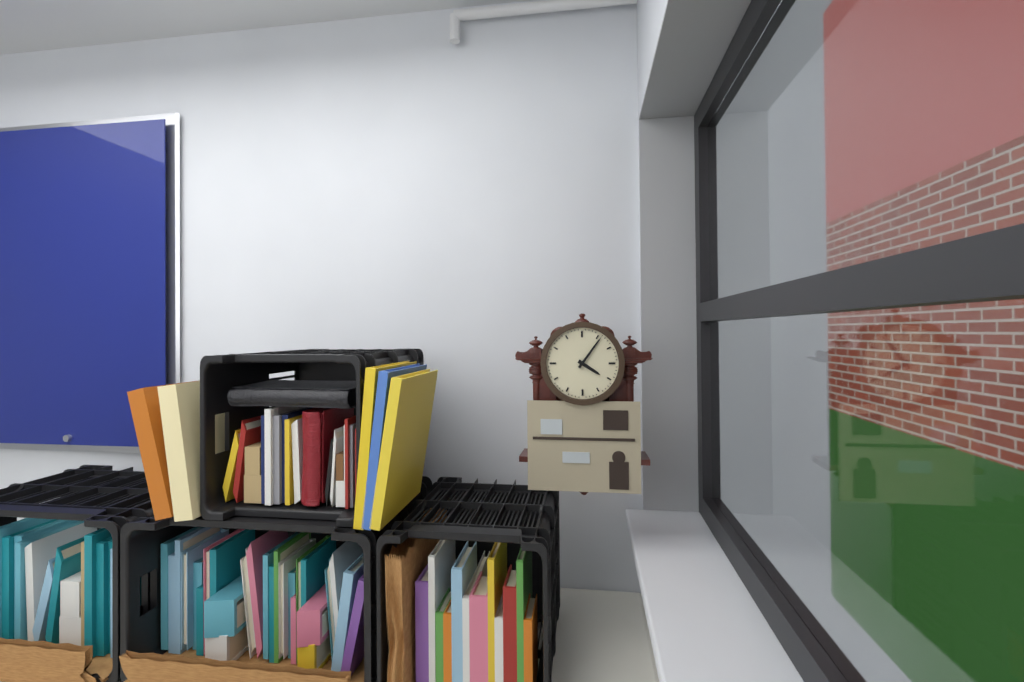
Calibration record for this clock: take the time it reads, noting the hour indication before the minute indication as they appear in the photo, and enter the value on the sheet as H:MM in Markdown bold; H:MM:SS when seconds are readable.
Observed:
**4:06**
